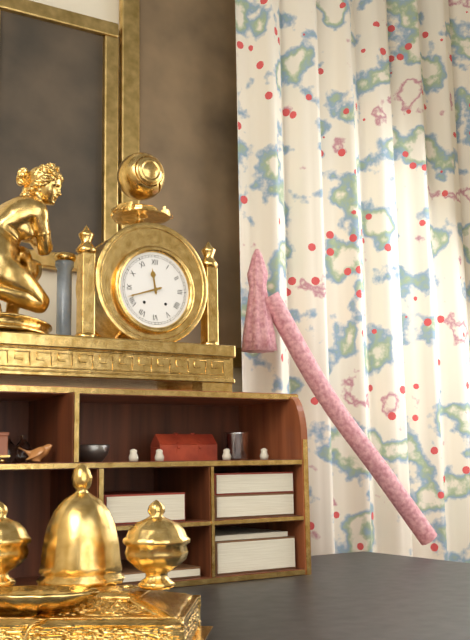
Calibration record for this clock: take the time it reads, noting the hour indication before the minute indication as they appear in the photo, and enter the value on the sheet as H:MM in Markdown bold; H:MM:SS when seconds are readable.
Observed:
**11:42**
